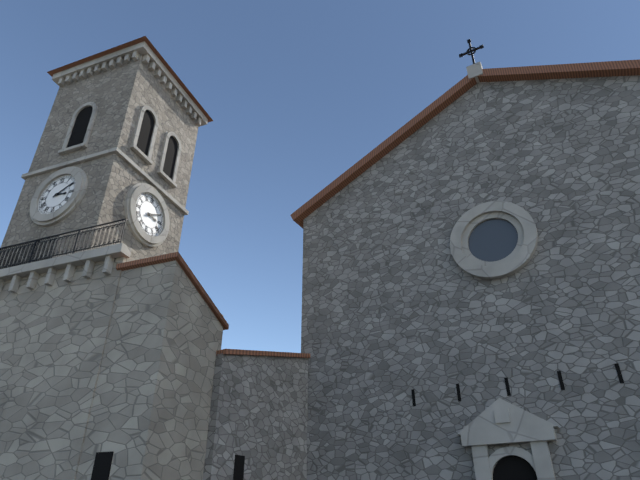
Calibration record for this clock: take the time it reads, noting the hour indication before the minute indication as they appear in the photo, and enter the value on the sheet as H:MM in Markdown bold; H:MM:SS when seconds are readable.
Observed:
**3:10**
